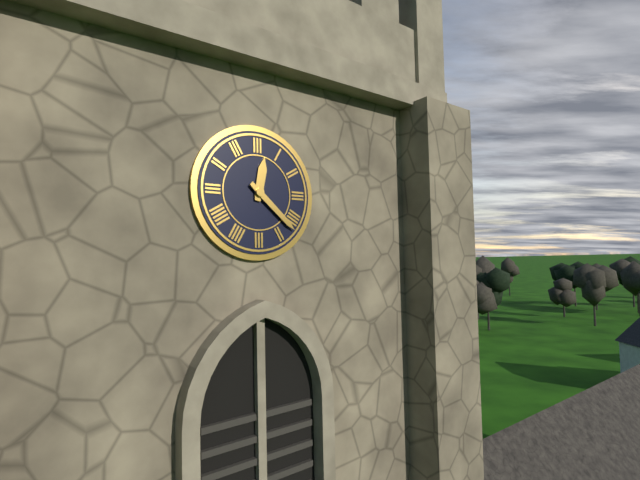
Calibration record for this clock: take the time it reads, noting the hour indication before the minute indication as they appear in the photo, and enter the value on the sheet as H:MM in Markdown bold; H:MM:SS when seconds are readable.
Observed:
**12:22**
